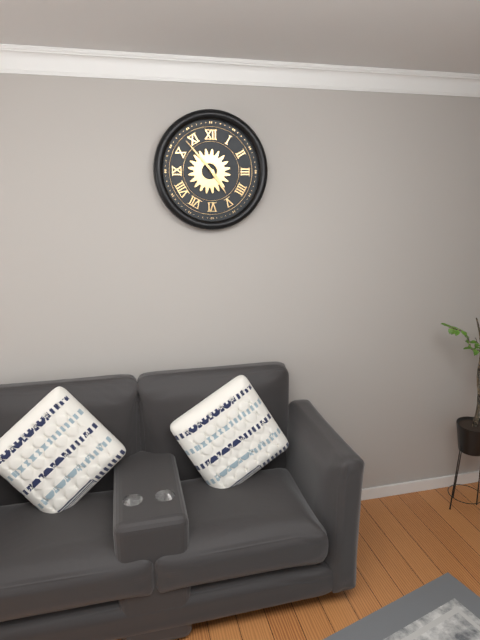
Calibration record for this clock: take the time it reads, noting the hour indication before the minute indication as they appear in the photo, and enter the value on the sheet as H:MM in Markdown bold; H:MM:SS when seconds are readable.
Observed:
**4:53**
